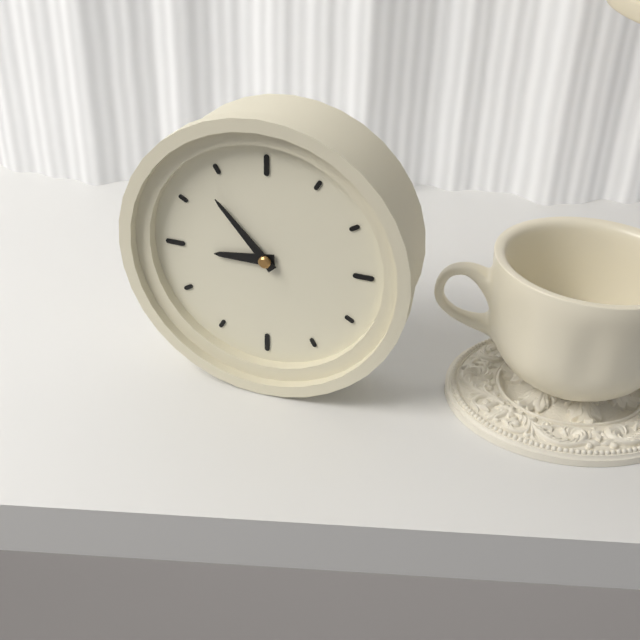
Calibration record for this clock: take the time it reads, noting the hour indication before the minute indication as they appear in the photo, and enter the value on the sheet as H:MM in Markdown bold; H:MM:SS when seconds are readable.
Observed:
**8:53**
